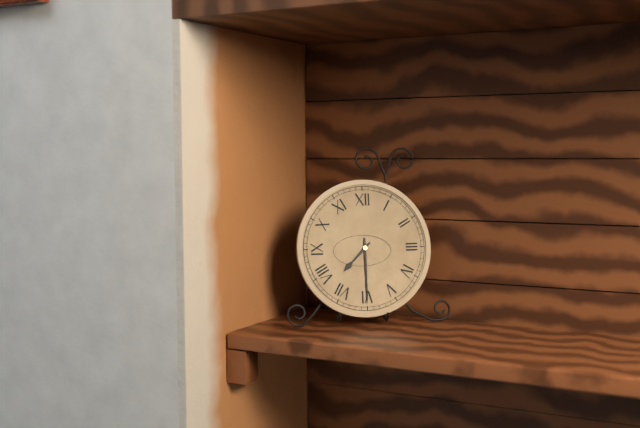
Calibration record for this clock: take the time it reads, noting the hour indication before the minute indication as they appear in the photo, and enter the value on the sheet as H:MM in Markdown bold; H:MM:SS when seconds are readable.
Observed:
**7:30**
